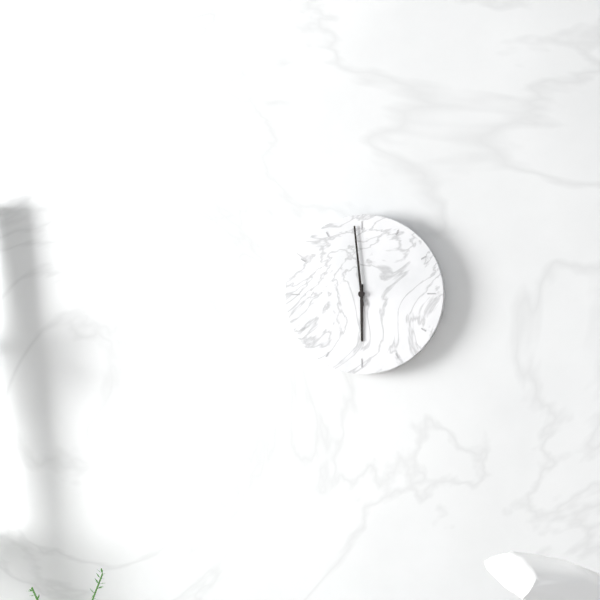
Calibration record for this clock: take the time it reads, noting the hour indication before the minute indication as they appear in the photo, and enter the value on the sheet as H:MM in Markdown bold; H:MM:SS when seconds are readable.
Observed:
**5:59**
